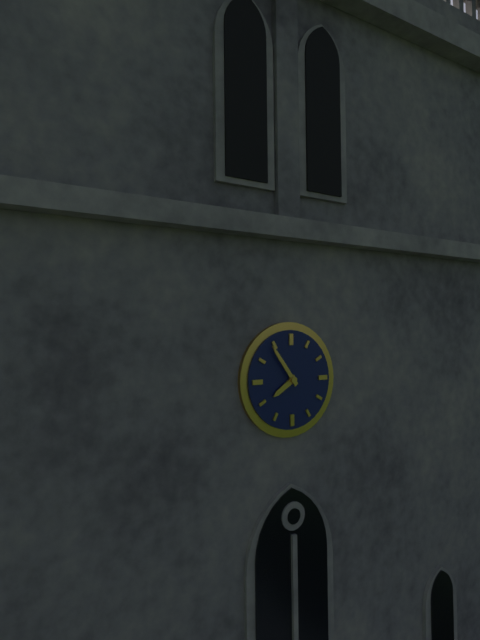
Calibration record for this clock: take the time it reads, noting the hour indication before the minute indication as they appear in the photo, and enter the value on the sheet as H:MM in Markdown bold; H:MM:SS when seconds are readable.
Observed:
**7:54**
